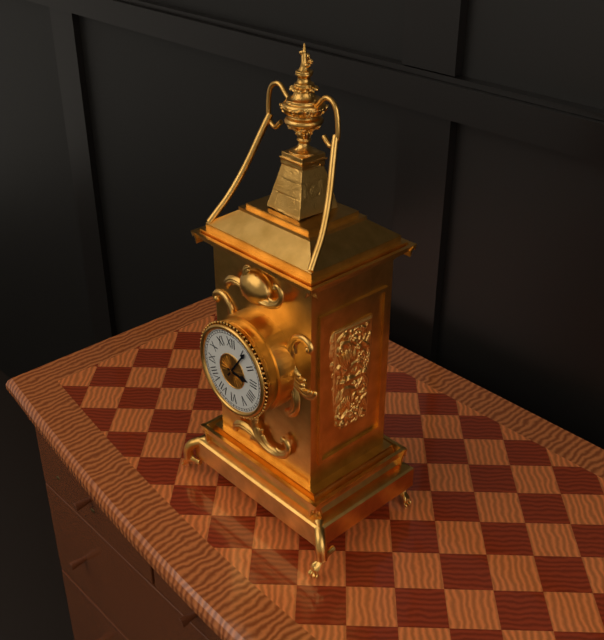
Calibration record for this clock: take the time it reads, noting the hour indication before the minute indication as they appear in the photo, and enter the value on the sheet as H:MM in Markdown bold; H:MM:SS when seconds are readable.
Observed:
**3:06**
